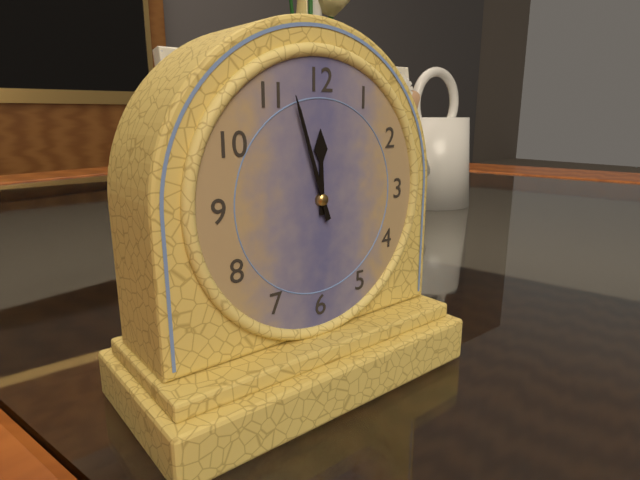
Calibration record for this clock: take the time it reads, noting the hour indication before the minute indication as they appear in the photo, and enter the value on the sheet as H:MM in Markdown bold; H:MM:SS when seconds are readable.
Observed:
**11:57**
